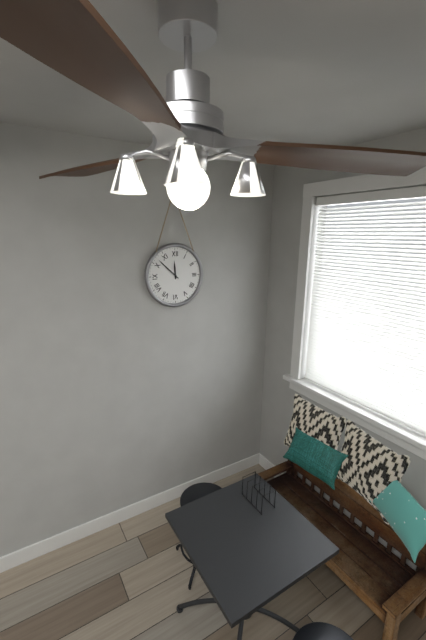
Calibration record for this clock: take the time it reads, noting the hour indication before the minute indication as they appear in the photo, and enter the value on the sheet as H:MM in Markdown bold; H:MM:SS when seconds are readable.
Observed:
**11:52**
